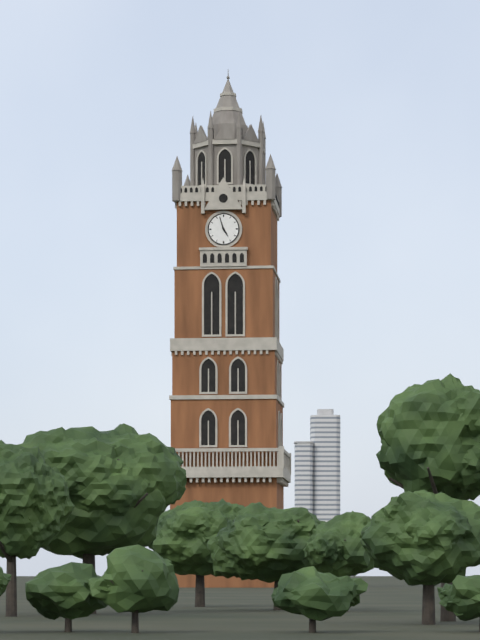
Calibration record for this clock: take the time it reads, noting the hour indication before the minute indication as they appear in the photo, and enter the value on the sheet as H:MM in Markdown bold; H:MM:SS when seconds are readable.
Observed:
**4:57**
